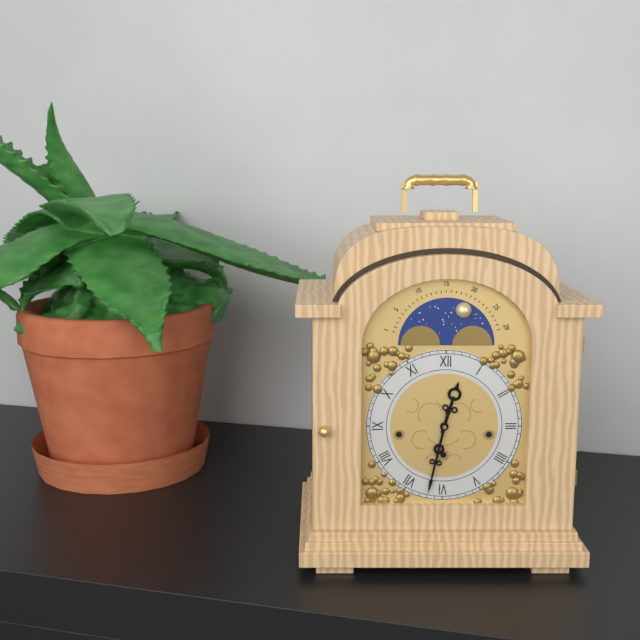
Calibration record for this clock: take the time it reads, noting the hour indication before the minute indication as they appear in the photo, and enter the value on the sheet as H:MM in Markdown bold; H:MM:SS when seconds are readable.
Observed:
**12:32**
